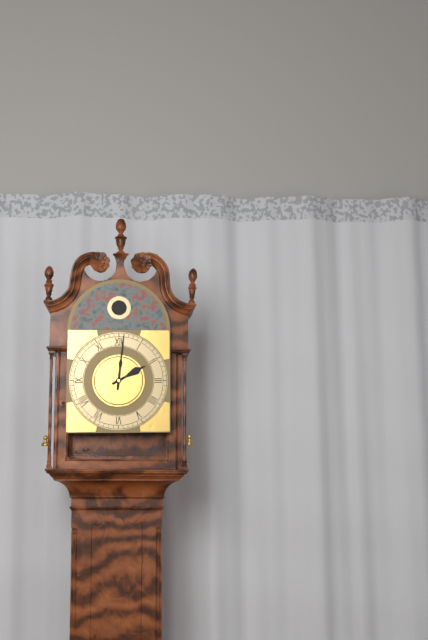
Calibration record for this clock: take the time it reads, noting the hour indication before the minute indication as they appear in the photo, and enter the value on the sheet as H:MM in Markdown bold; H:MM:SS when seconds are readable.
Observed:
**2:01**
